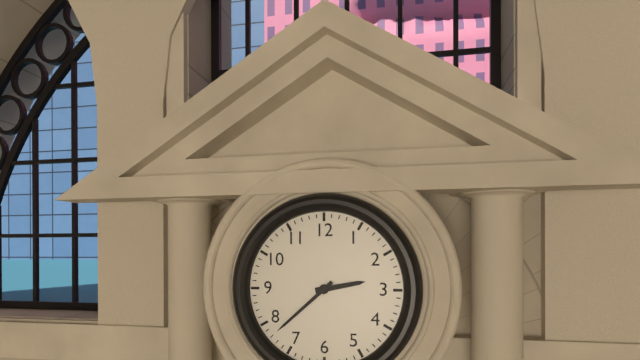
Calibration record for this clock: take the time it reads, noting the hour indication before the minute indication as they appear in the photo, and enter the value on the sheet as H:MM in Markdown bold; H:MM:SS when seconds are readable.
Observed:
**2:38**
